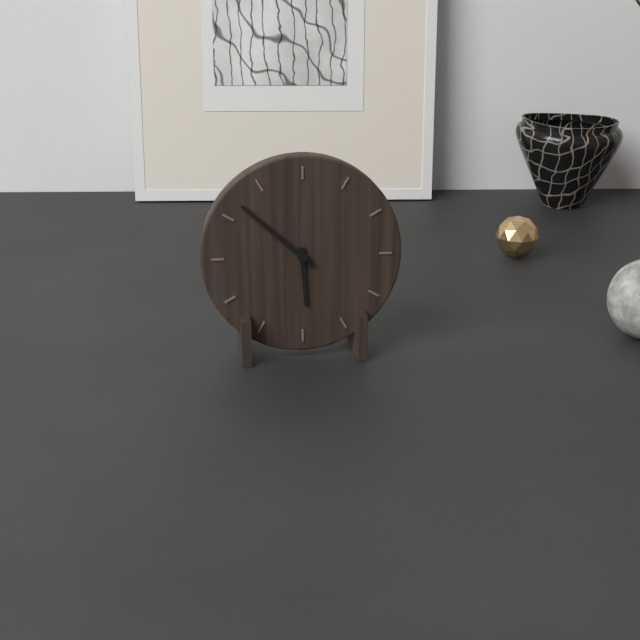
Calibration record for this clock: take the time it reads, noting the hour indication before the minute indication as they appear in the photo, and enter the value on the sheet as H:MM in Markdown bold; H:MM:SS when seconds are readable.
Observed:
**5:52**
